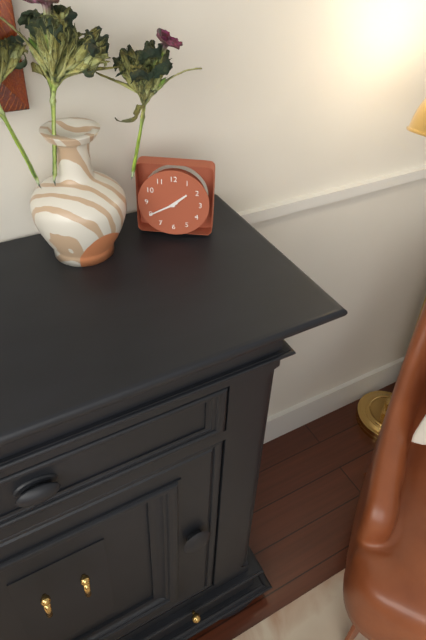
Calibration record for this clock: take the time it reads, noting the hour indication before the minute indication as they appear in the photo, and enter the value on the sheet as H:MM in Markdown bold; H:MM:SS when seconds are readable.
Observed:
**1:40**
